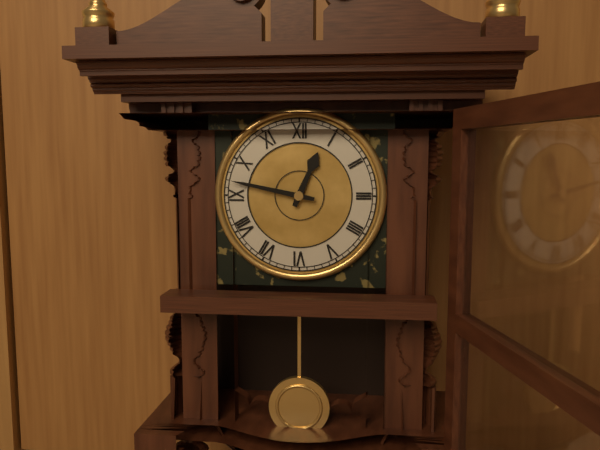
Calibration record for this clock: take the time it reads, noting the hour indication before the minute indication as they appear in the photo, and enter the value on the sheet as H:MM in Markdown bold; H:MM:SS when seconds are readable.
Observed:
**12:47**
